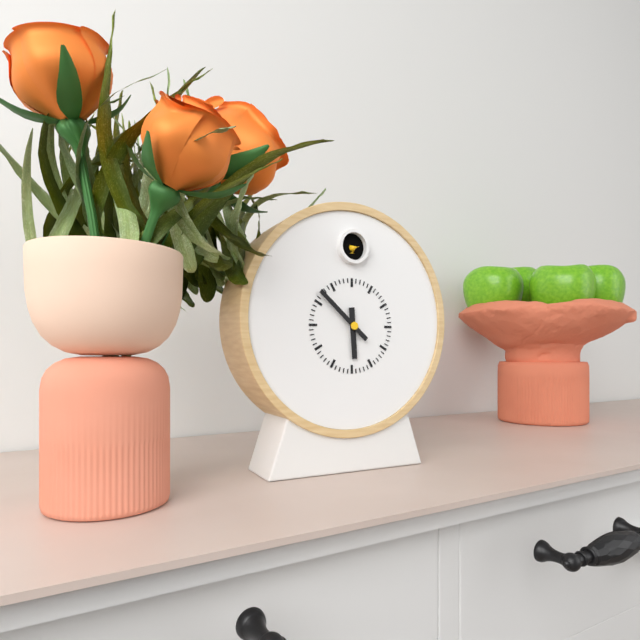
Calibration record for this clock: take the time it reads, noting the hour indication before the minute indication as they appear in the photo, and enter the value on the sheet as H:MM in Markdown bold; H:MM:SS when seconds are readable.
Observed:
**5:52**
